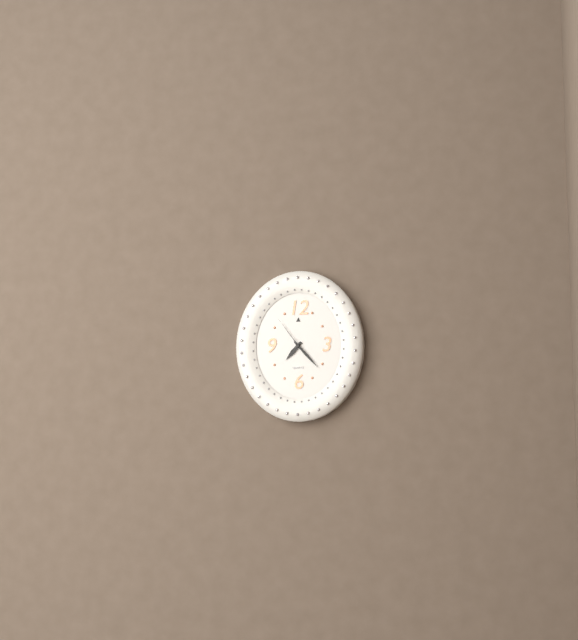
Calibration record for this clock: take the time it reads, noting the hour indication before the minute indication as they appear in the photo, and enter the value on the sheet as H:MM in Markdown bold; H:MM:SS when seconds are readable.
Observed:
**7:23**
